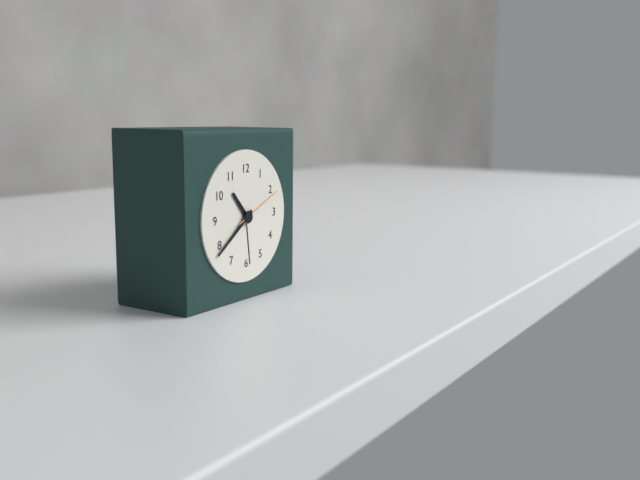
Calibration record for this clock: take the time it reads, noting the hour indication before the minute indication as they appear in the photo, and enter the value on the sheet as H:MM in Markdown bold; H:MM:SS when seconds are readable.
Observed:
**10:39**
